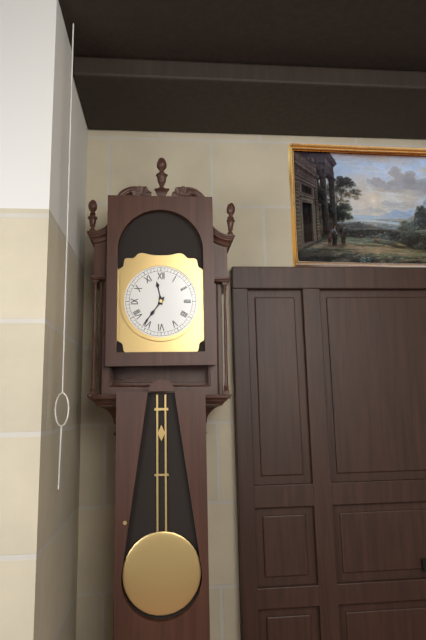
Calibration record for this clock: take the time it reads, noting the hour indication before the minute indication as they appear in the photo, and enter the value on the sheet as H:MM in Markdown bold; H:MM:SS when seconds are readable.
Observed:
**11:36**
